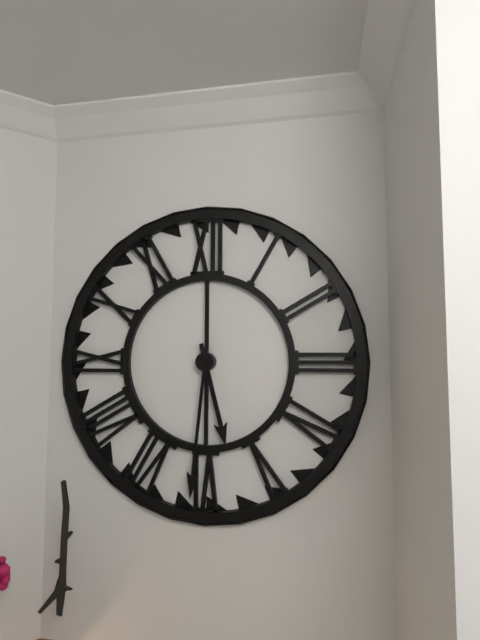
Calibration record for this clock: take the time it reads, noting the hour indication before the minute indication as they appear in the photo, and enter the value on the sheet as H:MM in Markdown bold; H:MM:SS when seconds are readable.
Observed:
**5:31**
